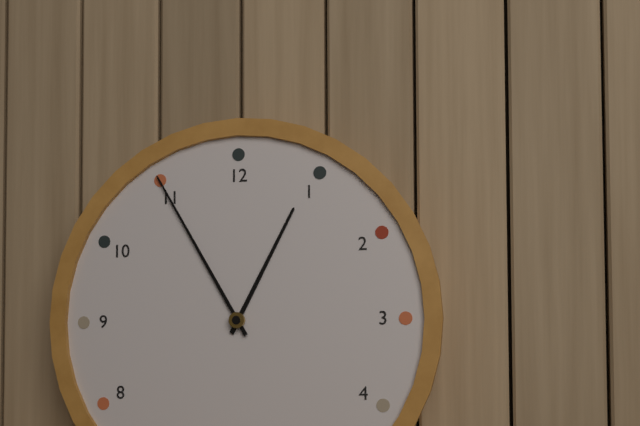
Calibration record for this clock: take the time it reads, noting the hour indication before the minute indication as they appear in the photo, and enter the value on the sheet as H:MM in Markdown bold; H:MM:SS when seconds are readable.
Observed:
**12:55**
